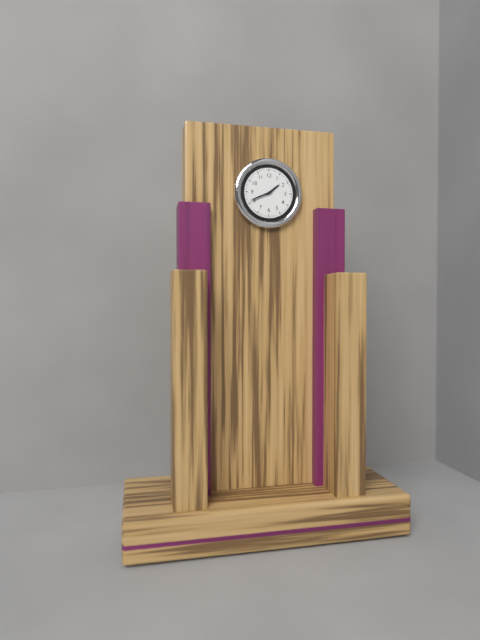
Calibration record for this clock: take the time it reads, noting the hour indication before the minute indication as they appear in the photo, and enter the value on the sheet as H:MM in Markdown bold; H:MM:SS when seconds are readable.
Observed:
**1:41**
